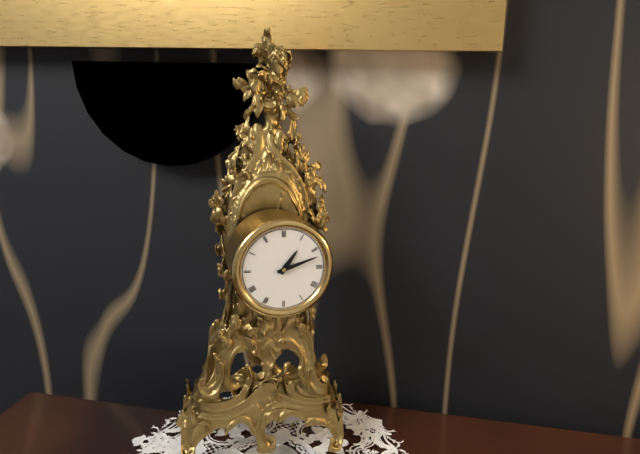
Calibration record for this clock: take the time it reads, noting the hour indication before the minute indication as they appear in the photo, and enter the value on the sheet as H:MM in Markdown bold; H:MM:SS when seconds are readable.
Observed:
**1:12**
